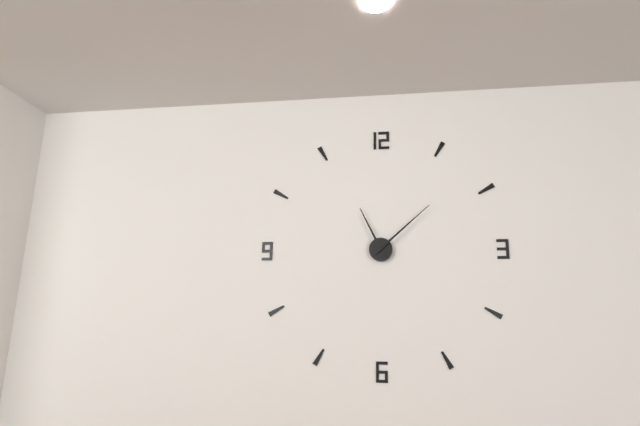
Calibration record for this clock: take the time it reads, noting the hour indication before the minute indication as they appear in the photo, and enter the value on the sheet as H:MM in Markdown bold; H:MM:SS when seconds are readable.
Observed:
**11:08**
